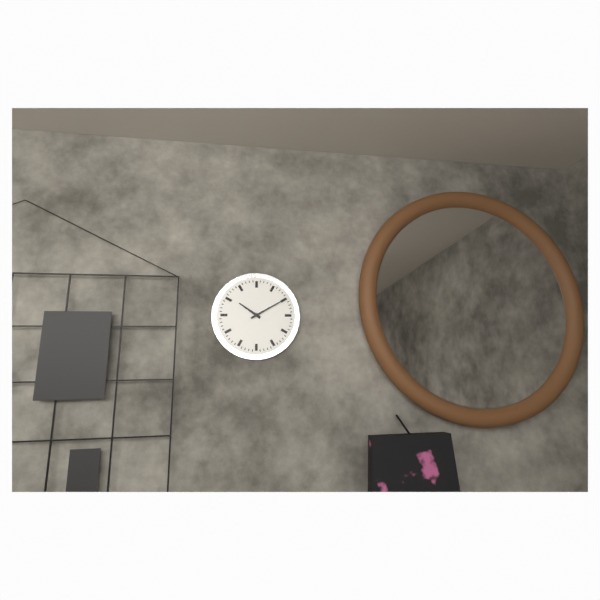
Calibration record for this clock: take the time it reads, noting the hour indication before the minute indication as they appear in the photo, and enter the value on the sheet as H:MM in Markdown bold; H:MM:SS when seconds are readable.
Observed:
**10:10**
